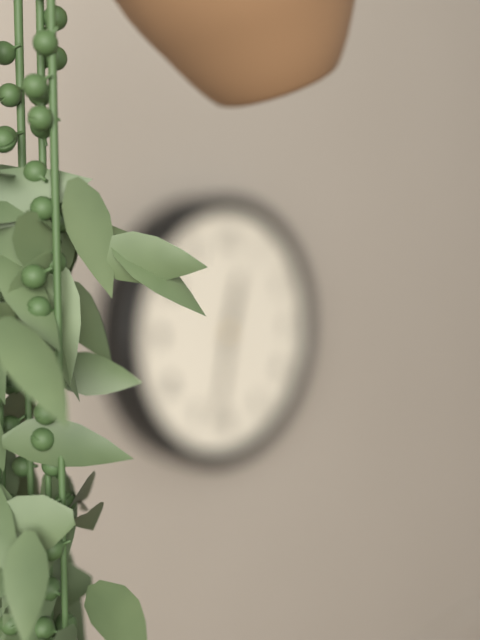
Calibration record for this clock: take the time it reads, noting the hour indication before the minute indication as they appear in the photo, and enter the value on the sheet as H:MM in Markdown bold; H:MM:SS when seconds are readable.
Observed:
**12:32**
